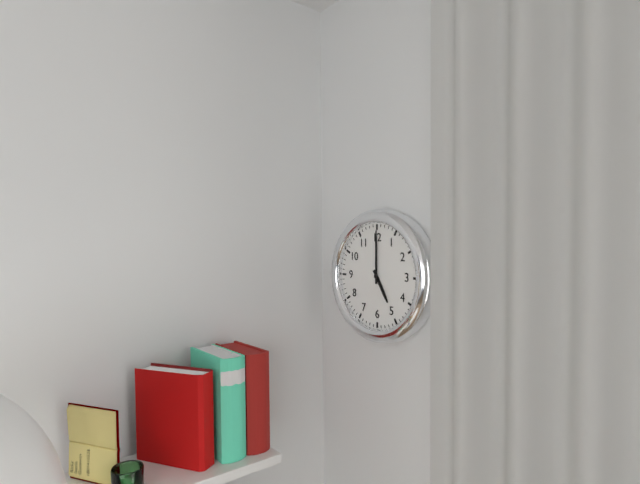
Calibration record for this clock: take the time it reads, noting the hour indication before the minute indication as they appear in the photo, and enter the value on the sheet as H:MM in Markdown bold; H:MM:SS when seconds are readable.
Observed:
**5:00**
